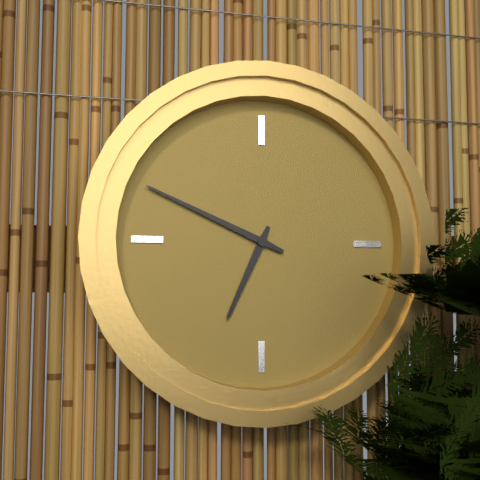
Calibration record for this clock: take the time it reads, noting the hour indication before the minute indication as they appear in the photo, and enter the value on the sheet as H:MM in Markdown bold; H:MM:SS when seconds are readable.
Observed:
**6:49**
